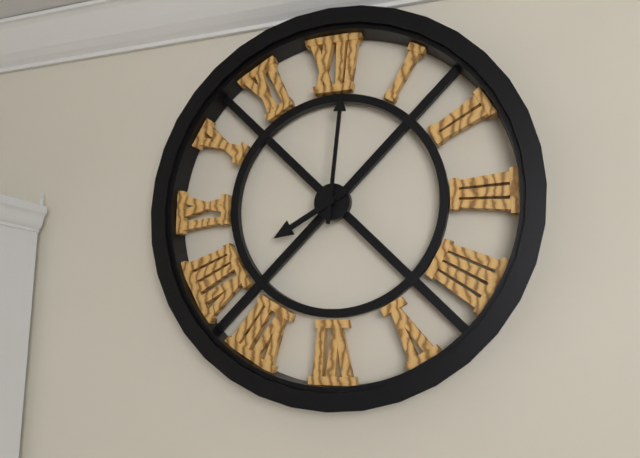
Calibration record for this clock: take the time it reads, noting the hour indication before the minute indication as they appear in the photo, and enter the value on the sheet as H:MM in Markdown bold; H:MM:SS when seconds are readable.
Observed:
**8:01**
